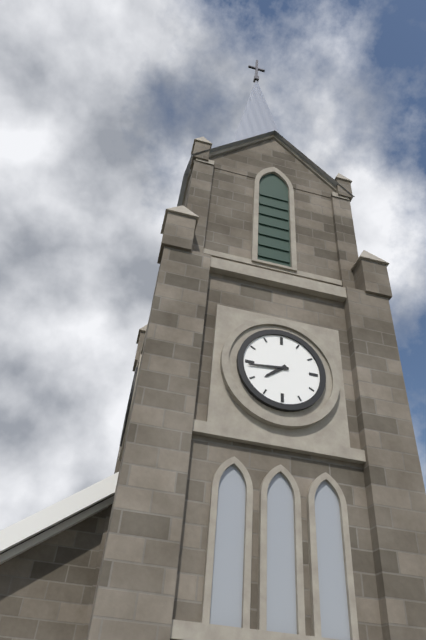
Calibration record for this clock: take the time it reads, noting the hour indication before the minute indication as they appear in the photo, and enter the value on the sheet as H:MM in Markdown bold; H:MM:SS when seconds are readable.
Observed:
**7:44**
